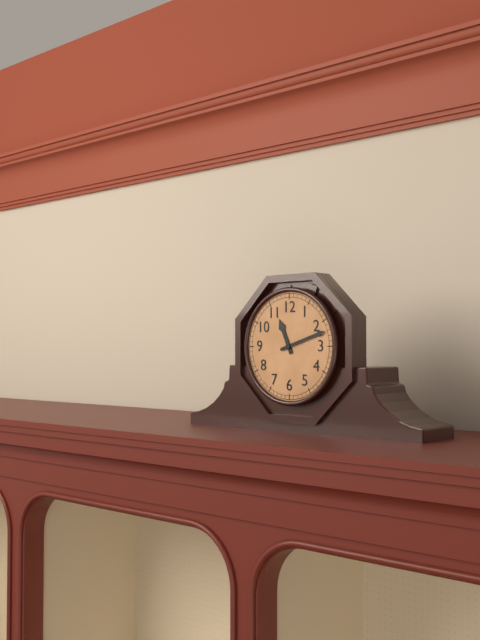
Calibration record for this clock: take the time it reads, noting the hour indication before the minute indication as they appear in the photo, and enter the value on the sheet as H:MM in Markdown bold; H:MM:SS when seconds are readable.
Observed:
**11:12**
